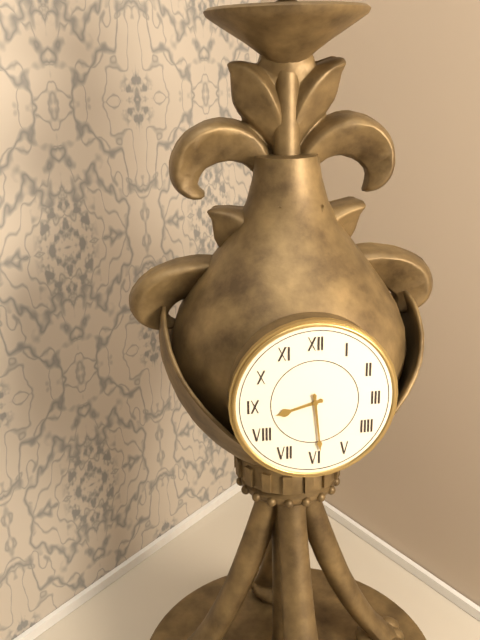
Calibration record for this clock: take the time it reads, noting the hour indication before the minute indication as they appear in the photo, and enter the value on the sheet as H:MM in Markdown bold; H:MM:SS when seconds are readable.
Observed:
**8:29**
